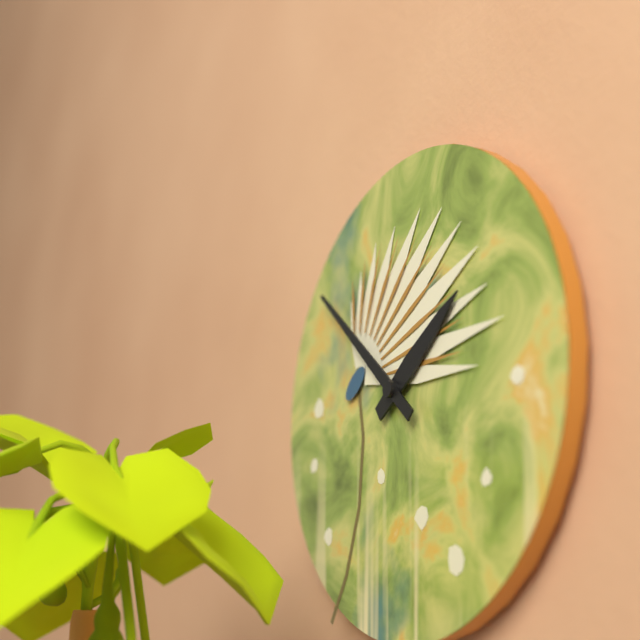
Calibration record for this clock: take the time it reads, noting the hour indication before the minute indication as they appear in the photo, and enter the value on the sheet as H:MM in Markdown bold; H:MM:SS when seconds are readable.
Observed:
**1:52**
